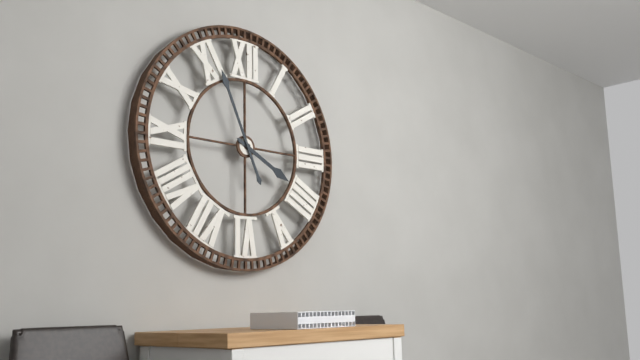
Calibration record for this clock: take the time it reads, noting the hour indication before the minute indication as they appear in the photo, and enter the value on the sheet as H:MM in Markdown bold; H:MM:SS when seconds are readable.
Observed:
**3:56**
